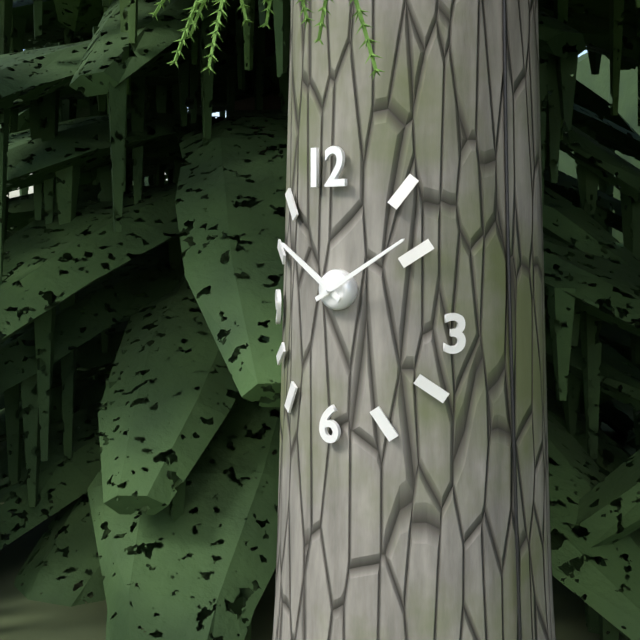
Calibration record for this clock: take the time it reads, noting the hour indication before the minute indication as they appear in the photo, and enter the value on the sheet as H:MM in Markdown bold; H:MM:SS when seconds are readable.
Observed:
**10:10**
